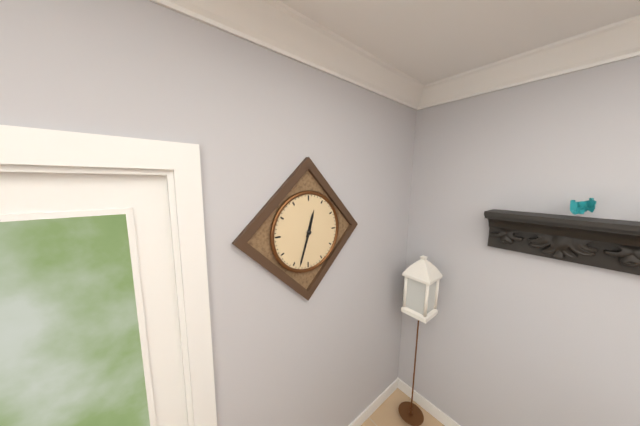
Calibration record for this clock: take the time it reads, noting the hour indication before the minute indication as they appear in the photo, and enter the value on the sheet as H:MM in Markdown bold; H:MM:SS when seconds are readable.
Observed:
**12:33**
